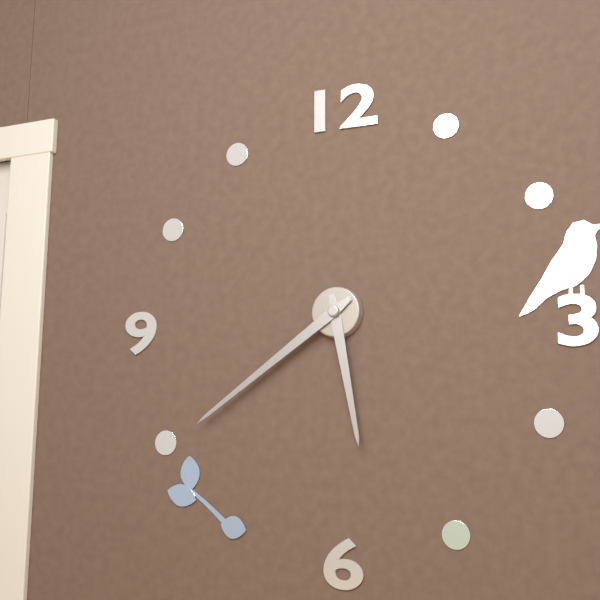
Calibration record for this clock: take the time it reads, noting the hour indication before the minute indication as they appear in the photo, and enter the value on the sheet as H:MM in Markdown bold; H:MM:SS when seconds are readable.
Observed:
**5:39**
